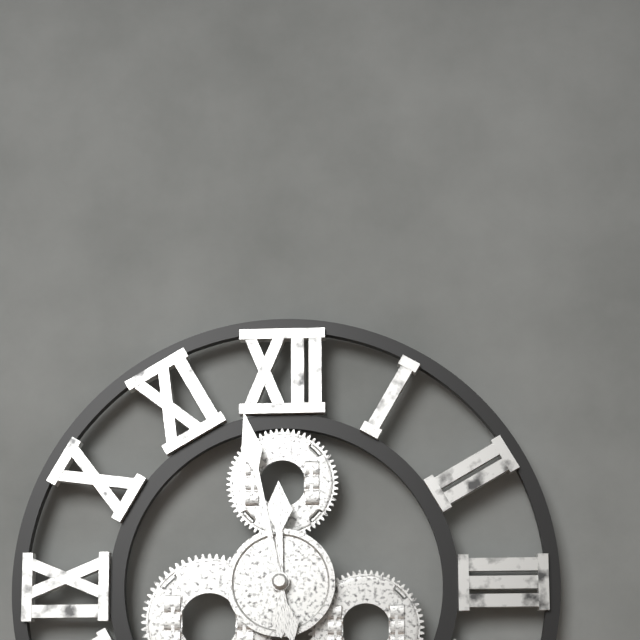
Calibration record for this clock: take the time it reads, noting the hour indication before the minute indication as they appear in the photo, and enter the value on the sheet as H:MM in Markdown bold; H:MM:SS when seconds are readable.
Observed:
**11:58**
